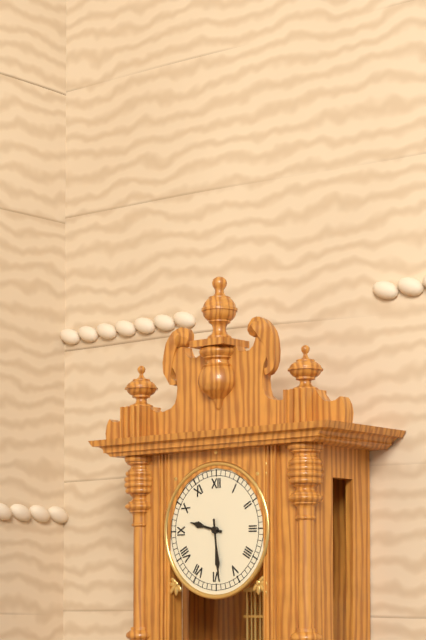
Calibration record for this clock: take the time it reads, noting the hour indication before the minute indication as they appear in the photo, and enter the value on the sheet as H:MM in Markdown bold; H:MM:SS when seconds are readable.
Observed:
**9:29**
